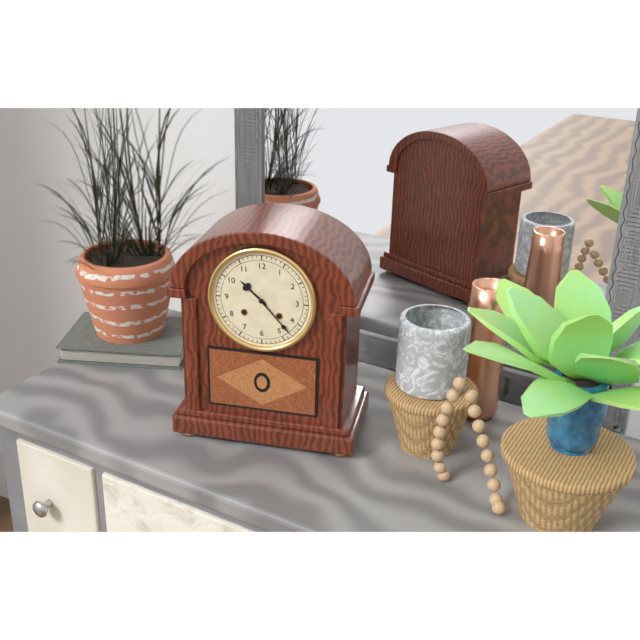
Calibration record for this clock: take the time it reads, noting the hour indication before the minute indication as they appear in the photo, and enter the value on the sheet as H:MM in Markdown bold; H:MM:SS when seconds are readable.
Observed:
**10:23**
